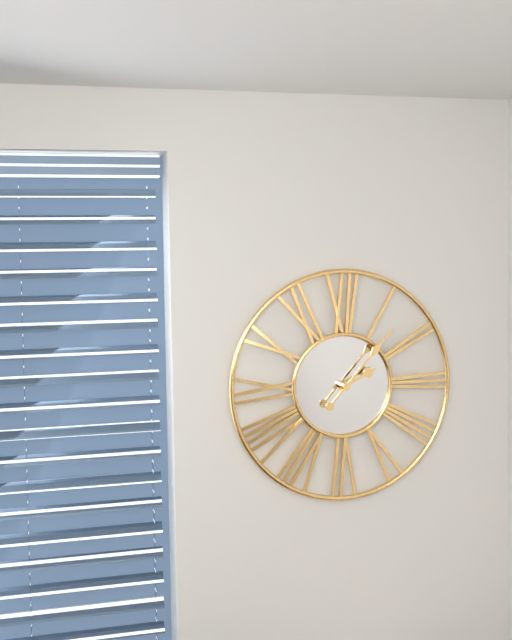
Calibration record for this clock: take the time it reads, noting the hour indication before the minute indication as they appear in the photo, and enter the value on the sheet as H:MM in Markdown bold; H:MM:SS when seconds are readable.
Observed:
**2:07**
